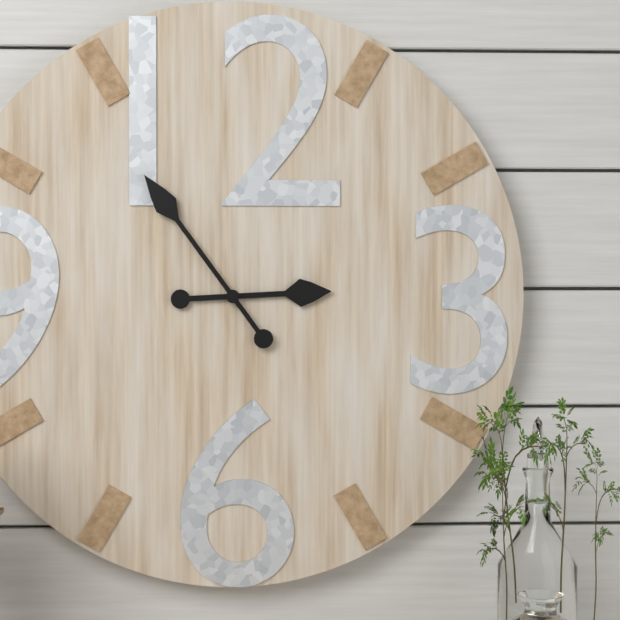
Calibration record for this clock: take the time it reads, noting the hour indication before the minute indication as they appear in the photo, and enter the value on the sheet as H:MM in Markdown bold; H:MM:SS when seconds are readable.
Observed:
**2:54**
